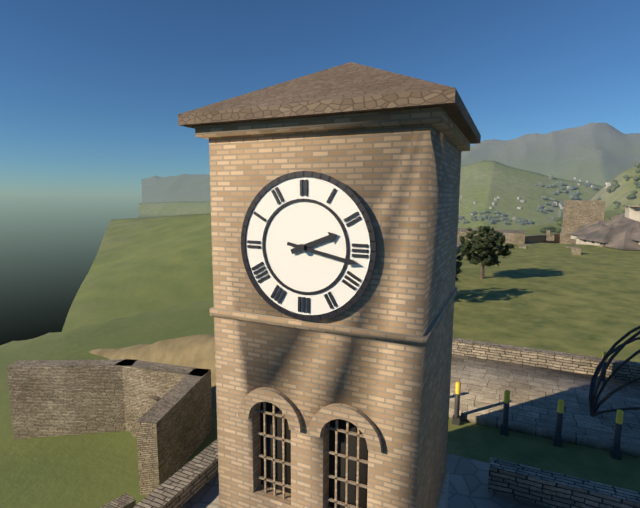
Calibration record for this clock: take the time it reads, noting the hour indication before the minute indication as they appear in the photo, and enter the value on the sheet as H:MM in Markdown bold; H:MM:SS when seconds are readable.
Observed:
**2:17**
